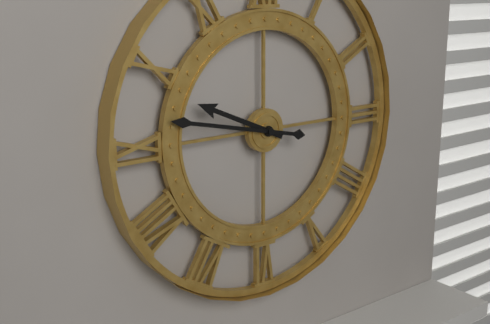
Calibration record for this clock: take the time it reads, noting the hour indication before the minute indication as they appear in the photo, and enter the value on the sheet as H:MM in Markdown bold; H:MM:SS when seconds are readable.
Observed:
**9:47**
